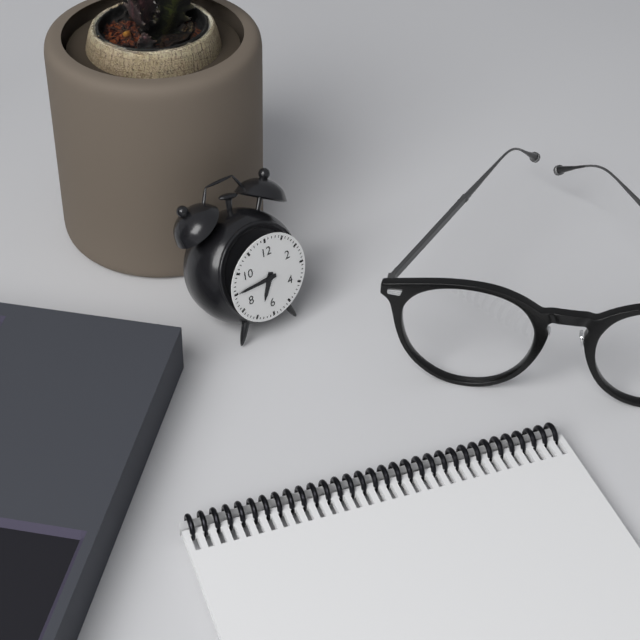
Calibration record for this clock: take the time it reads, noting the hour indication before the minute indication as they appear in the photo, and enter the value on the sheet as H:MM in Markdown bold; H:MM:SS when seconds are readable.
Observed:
**6:45**
